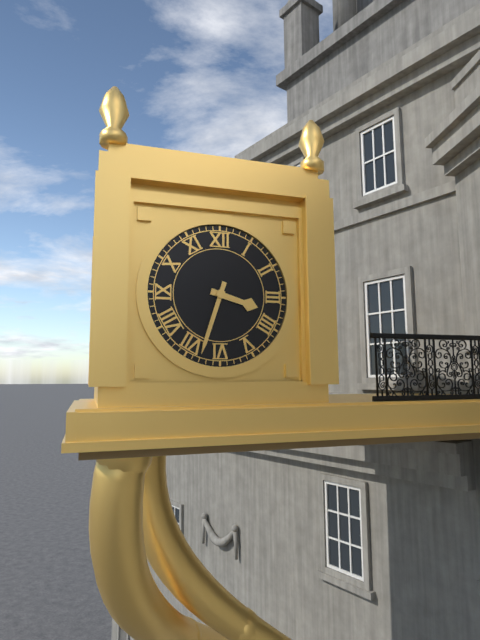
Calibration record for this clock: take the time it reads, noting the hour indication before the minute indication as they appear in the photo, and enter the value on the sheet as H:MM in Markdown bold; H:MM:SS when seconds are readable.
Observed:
**3:33**
